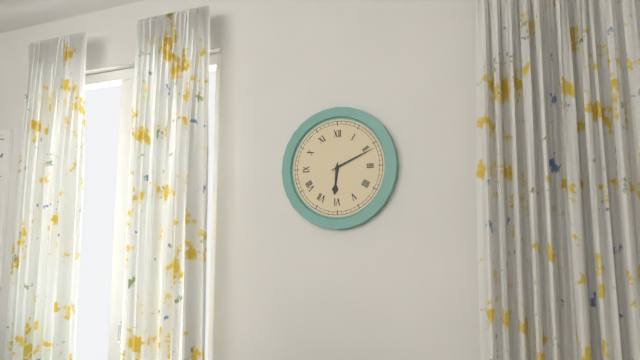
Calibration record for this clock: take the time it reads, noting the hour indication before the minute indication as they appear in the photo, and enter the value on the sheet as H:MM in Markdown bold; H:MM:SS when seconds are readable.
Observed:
**6:11**
